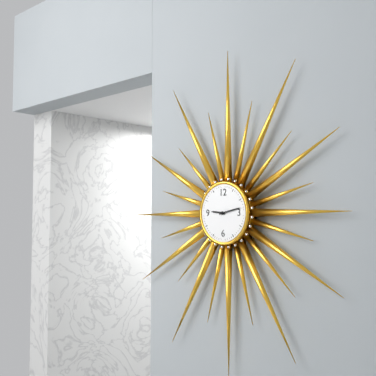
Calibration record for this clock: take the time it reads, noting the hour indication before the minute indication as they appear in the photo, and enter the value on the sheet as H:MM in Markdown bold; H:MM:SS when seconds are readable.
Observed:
**9:13**
